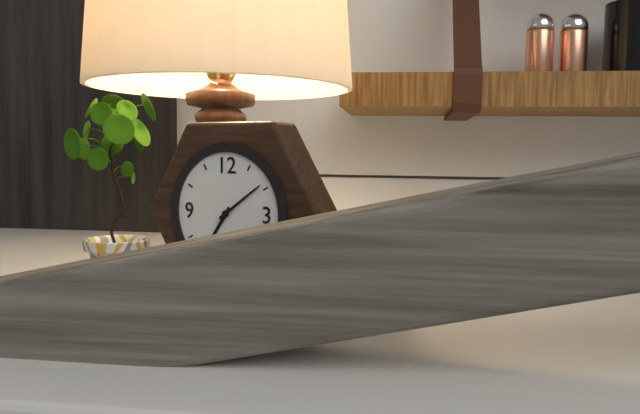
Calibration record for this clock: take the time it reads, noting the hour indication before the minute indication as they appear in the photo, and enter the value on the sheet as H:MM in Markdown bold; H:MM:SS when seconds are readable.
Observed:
**7:09**
